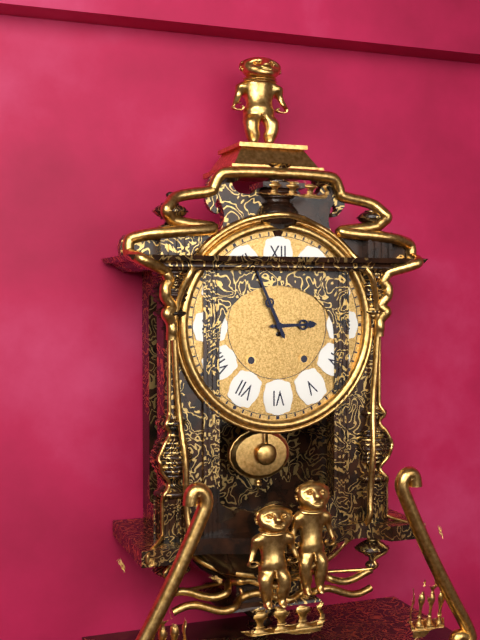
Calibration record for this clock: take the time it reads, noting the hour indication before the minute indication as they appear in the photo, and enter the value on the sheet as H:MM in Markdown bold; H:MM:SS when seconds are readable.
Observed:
**2:56**
